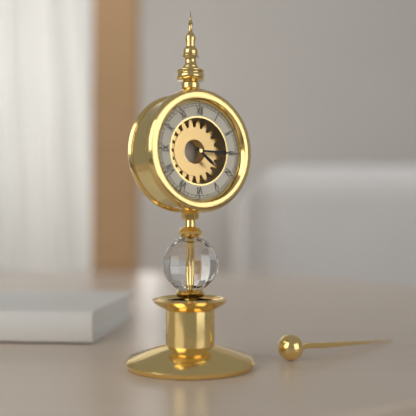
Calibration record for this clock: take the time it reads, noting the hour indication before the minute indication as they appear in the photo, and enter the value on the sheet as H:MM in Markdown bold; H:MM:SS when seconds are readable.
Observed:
**4:15**
